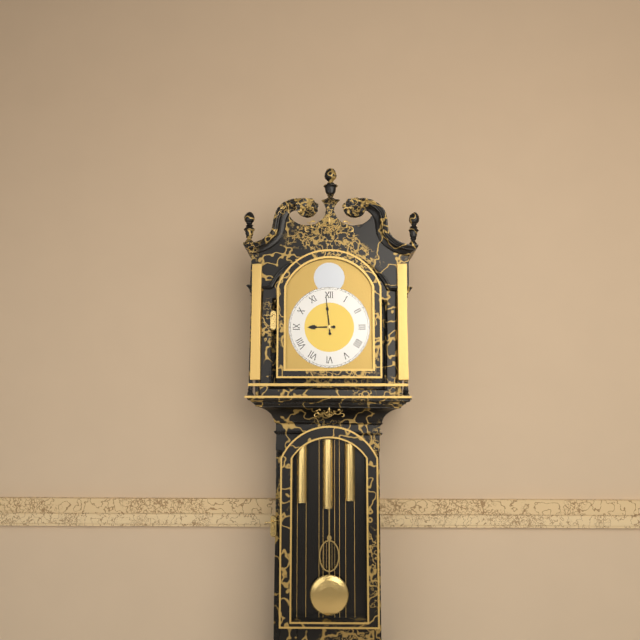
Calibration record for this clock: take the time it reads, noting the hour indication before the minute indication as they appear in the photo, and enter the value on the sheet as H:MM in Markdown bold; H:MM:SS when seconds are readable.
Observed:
**8:59**
